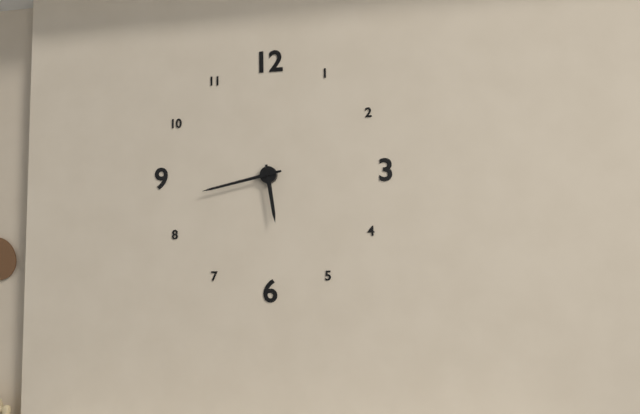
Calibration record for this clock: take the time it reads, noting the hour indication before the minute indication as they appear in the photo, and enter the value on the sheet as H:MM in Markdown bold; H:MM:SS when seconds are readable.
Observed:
**5:43**
